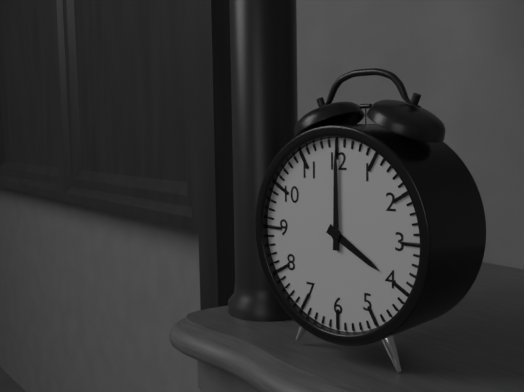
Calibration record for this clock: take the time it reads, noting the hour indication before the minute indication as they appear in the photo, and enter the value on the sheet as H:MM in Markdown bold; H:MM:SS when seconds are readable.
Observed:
**4:00**
